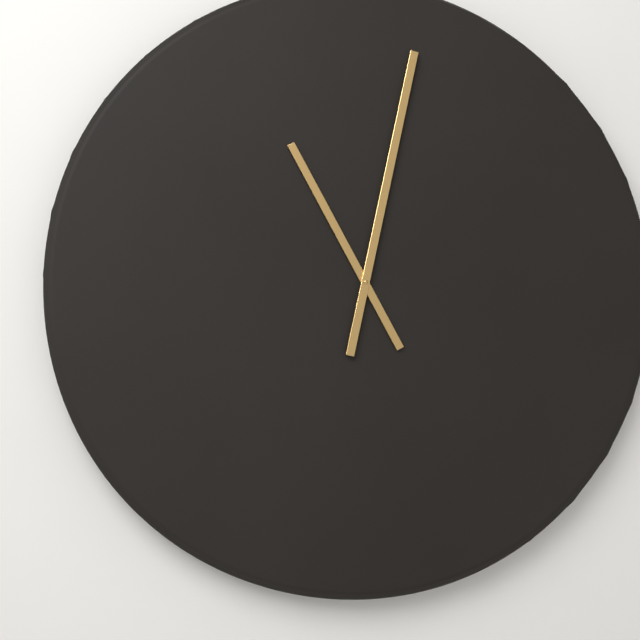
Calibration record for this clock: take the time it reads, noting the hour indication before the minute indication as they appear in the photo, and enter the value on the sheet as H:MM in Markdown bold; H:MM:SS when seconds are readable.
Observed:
**11:02**
